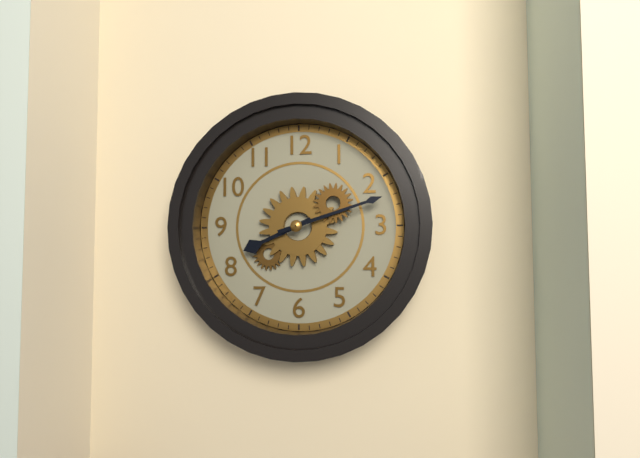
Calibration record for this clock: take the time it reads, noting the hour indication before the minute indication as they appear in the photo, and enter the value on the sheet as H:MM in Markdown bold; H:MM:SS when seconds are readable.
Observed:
**8:12**
